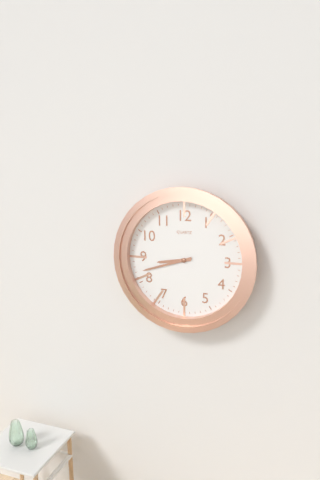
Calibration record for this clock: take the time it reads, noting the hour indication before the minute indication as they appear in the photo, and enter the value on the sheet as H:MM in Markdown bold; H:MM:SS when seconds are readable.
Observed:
**8:42**
